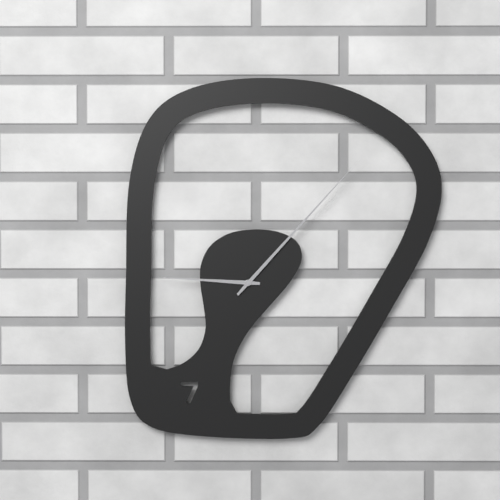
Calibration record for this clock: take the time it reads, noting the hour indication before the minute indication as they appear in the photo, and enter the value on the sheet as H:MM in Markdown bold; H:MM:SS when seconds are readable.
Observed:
**9:07**
